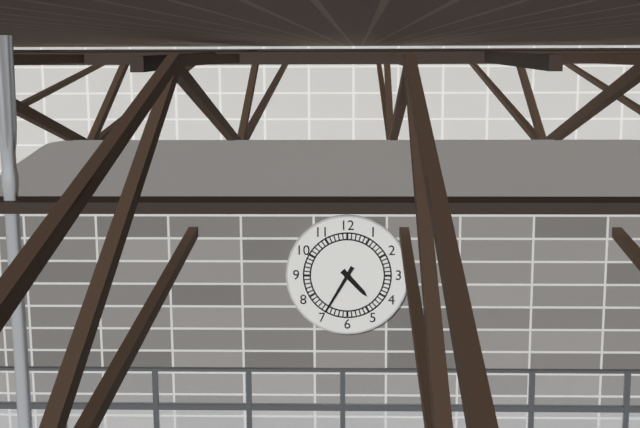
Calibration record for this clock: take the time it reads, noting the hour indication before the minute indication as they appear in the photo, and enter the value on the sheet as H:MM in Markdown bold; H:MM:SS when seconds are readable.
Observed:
**4:35**
